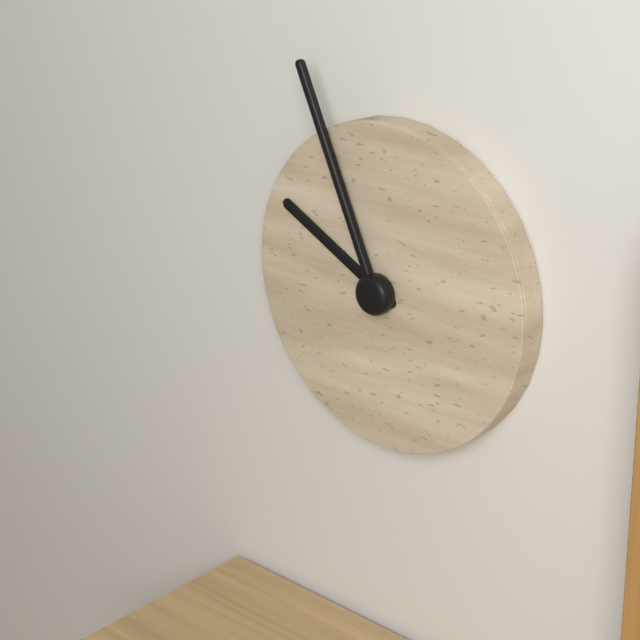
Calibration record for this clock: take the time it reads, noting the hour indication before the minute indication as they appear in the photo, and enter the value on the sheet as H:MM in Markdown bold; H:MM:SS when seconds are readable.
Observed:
**9:56**
